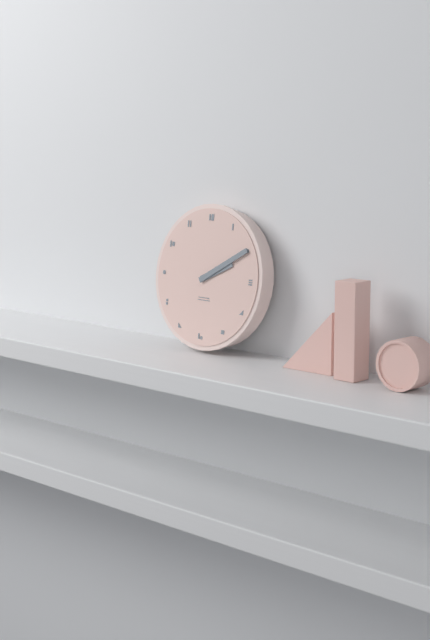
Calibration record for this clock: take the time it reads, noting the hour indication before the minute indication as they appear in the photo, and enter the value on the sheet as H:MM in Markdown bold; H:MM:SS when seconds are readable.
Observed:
**2:10**
